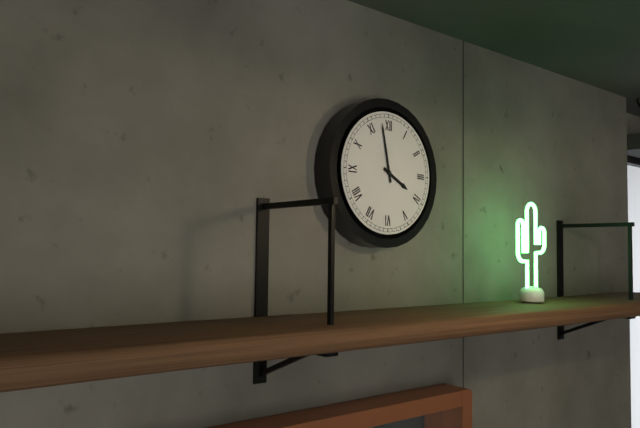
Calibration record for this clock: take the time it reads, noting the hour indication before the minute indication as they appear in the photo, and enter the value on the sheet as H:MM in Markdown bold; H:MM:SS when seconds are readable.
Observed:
**3:58**
